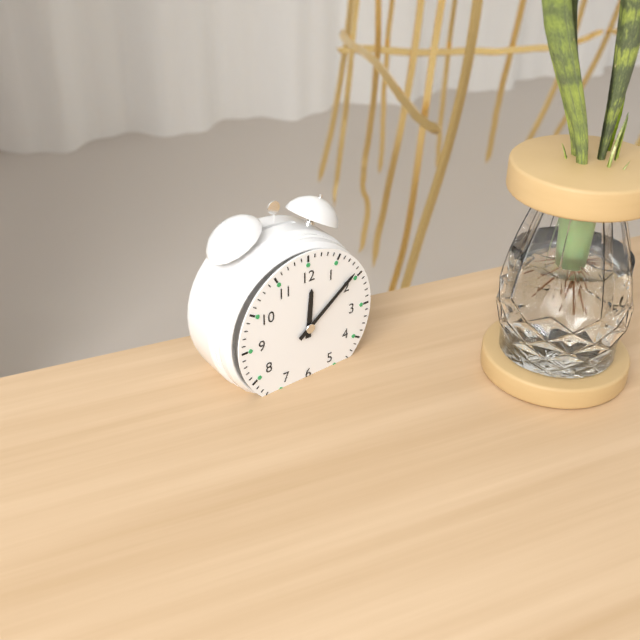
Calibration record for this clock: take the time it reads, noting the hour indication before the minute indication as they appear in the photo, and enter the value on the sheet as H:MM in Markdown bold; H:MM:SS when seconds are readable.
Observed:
**12:09**
